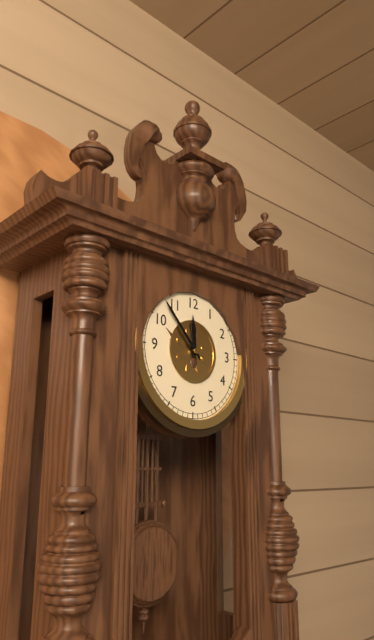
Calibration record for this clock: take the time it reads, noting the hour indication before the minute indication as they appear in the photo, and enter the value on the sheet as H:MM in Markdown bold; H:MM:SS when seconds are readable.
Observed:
**11:53**
